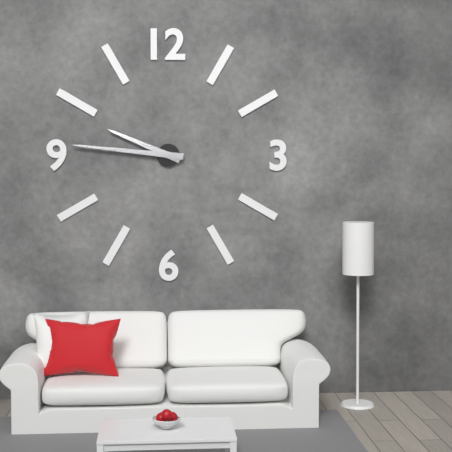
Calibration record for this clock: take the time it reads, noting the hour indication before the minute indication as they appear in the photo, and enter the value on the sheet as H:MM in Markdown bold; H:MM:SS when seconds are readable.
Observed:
**9:46**
